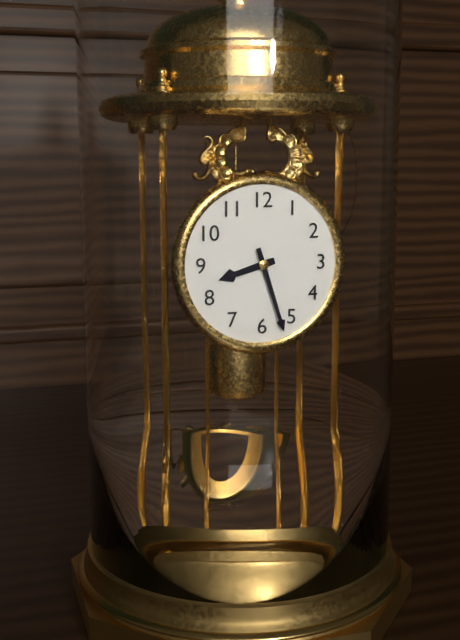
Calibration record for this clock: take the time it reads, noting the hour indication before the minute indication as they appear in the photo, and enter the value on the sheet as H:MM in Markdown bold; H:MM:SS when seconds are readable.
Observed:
**8:27**
